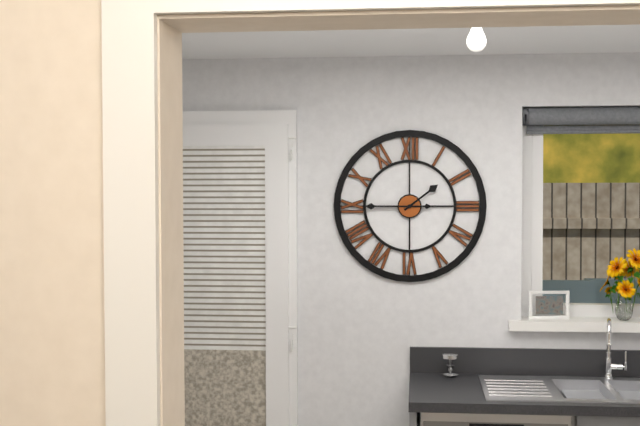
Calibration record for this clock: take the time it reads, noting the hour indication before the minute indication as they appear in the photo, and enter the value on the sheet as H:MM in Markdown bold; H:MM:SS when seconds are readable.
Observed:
**1:45**
